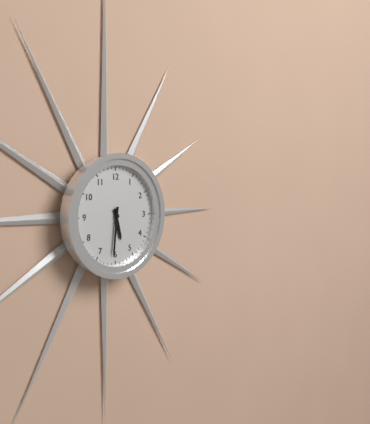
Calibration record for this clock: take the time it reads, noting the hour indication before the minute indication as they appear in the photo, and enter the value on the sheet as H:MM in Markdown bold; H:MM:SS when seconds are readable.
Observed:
**5:31**
